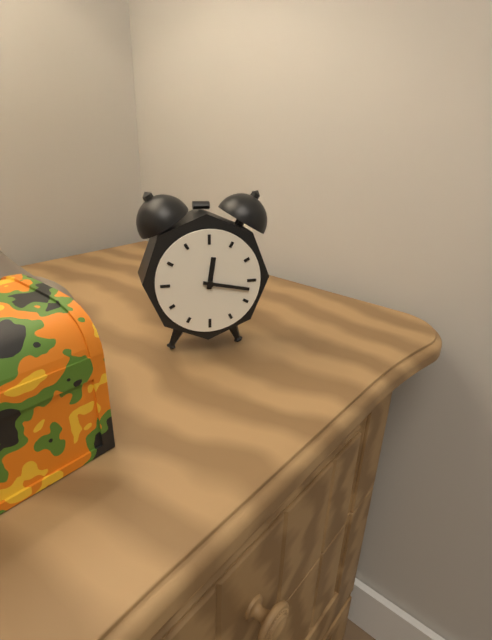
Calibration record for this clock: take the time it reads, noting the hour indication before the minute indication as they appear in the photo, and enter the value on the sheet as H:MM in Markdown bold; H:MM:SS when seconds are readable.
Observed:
**12:17**
